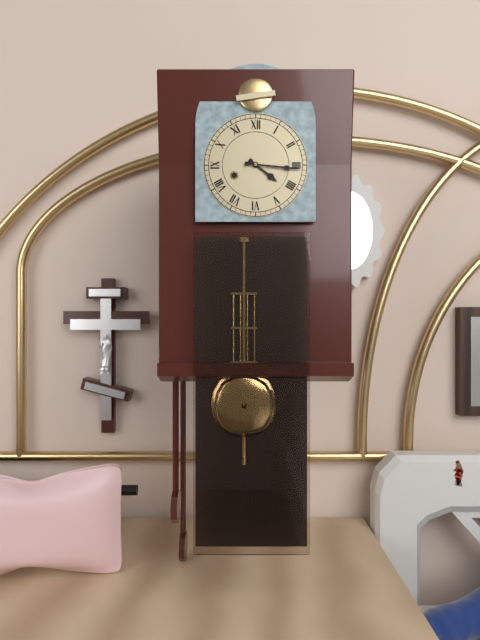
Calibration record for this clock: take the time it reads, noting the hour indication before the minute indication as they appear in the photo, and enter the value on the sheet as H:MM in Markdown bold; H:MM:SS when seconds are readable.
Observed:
**4:16**
